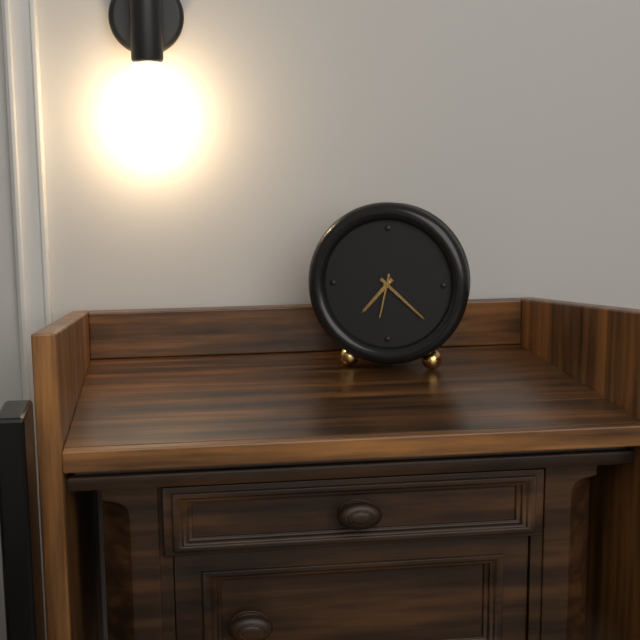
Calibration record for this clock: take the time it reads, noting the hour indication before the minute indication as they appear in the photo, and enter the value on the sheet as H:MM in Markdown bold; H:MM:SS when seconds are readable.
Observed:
**7:22**
